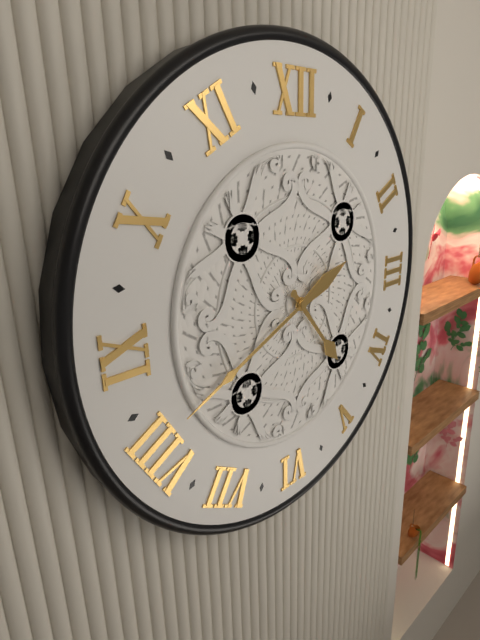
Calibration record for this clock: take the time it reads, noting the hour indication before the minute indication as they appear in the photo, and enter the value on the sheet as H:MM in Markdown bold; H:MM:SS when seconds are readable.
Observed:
**4:41**
